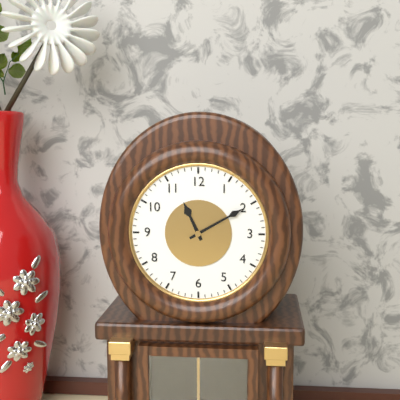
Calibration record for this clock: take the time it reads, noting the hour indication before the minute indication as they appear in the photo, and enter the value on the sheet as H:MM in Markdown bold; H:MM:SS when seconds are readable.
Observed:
**11:10**
